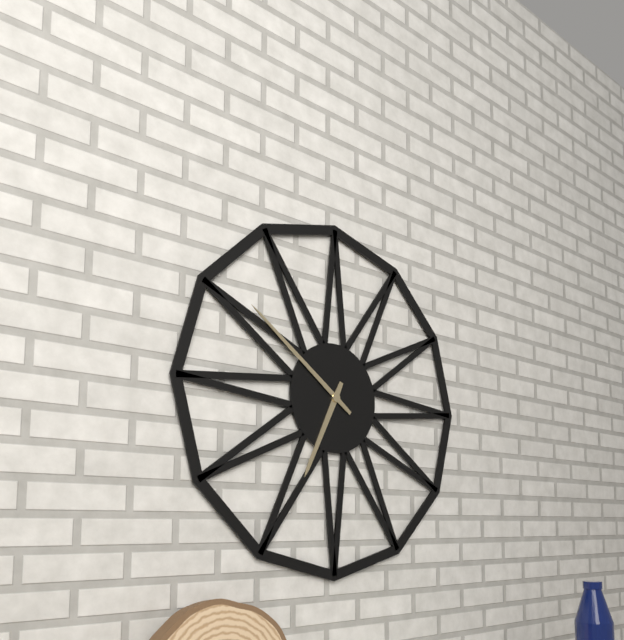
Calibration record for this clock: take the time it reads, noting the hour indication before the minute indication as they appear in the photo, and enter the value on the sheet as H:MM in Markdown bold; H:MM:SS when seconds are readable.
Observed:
**6:51**
